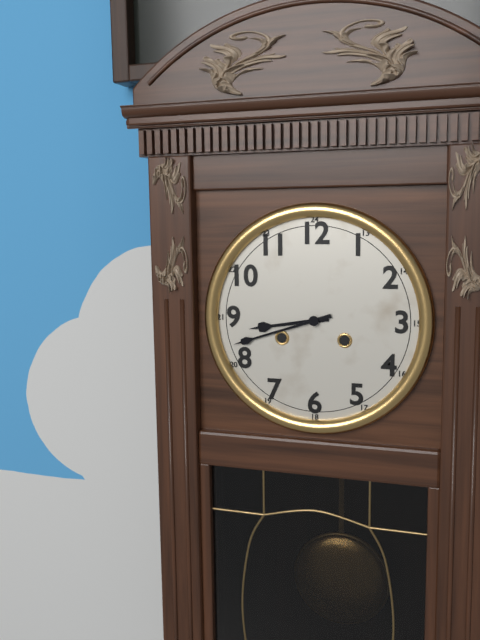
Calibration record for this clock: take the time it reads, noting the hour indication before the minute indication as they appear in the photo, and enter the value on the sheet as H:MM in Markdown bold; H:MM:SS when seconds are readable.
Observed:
**8:42**
